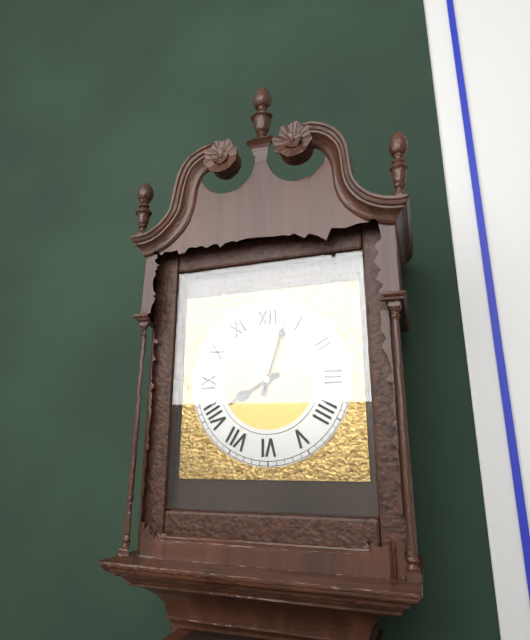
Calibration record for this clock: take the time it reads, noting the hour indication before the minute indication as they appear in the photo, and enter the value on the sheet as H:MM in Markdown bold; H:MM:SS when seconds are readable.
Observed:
**8:03**
